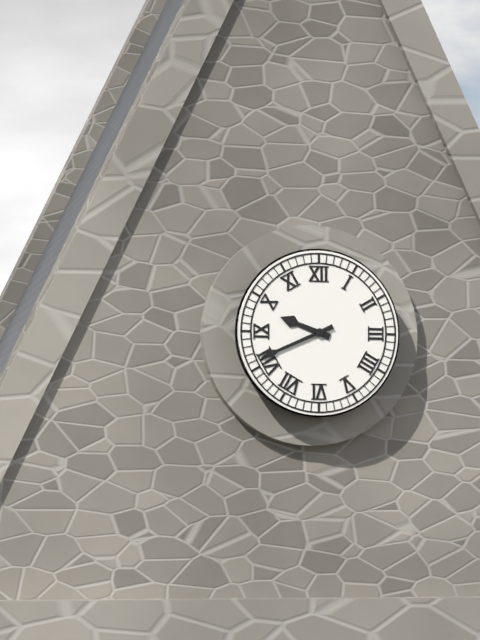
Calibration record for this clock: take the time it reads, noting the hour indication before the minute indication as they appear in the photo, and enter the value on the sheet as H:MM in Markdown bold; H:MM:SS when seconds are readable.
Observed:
**9:41**
